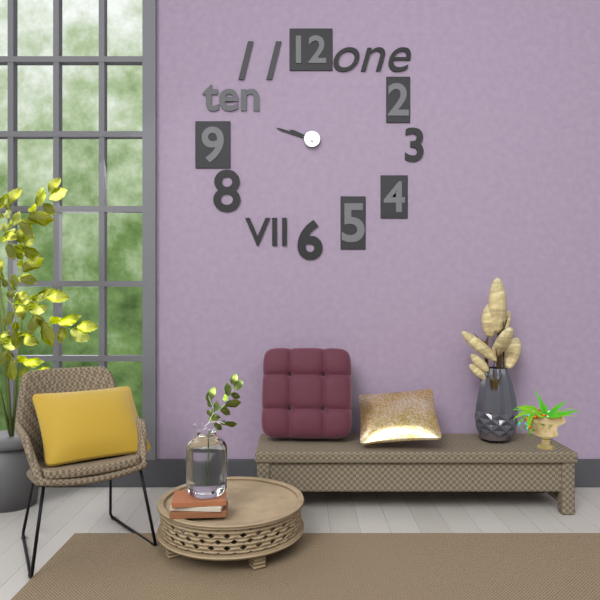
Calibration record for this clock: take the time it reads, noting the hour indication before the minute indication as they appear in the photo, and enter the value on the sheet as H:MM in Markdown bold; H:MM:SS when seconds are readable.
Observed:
**9:48**
